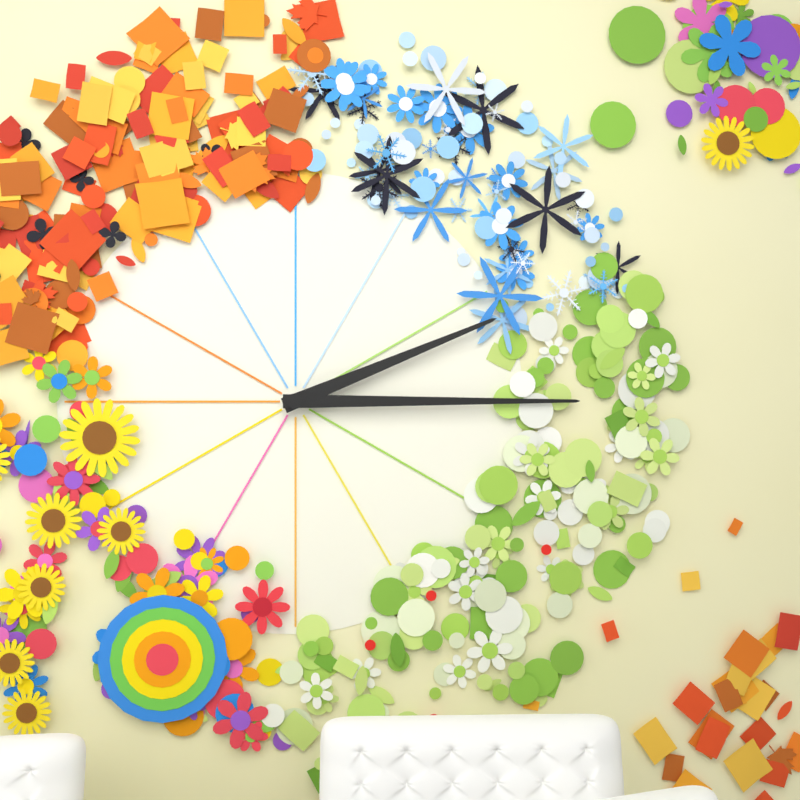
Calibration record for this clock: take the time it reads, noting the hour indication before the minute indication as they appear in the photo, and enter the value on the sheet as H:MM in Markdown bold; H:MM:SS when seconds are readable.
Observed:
**2:15**
